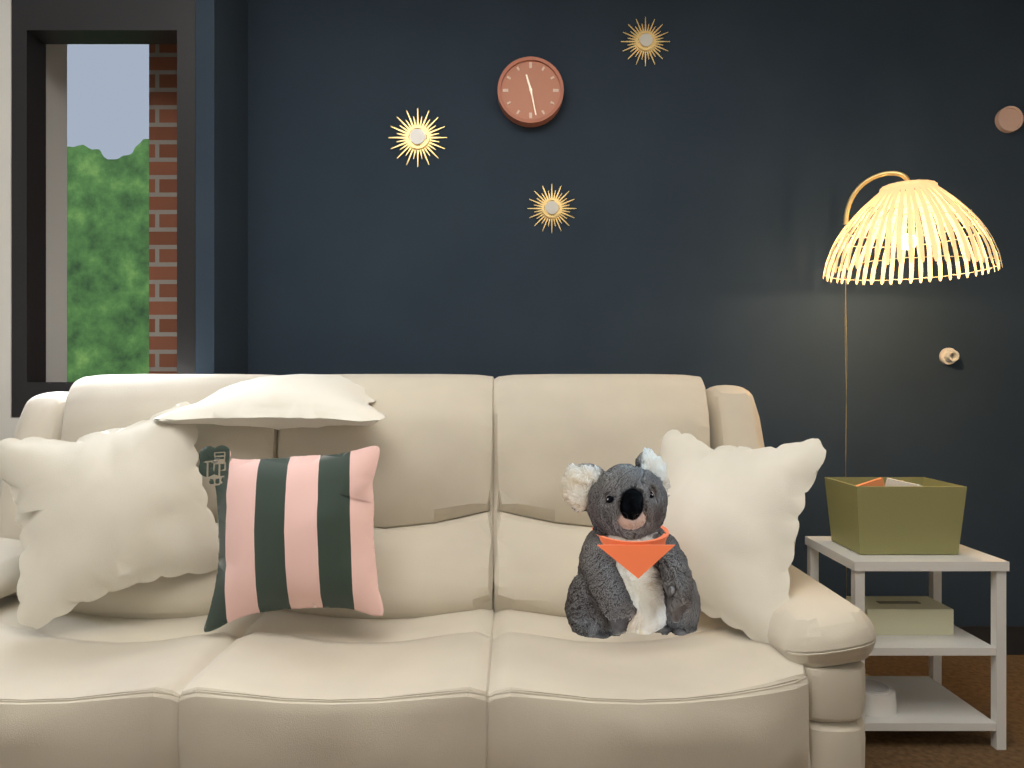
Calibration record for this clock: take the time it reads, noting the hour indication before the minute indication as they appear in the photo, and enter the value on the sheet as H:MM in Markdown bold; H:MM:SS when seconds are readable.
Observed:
**11:28**
